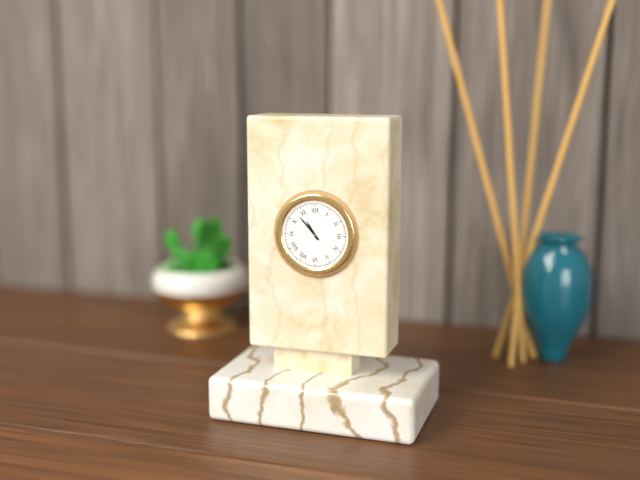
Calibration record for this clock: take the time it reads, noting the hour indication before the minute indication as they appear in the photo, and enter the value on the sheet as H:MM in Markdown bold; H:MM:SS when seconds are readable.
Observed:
**10:53**
